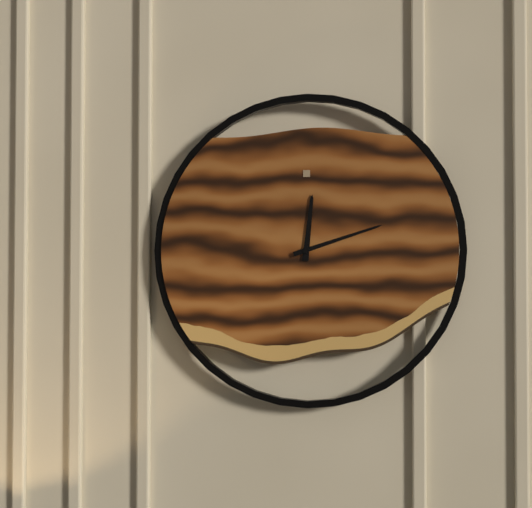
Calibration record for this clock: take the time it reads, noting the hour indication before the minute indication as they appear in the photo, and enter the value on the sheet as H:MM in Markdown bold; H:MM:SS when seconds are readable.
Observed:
**12:12**
